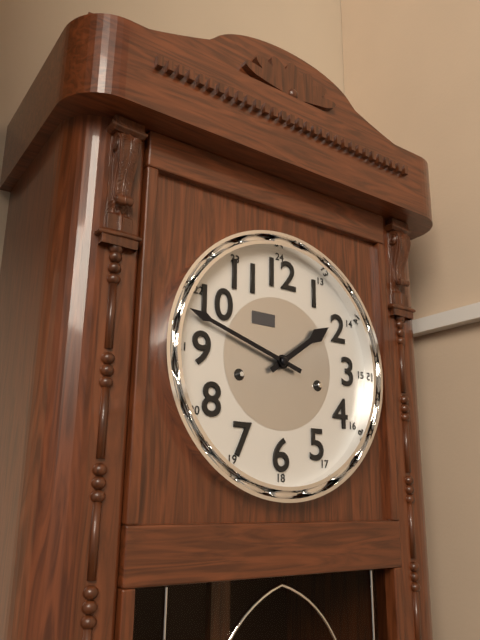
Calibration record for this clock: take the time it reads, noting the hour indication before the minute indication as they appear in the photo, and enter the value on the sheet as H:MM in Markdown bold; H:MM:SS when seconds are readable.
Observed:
**1:48**
